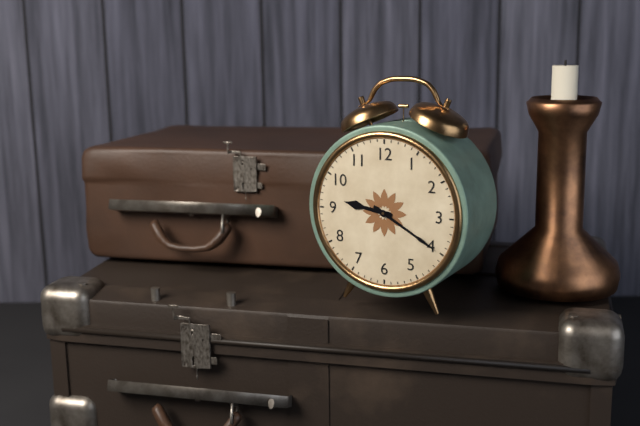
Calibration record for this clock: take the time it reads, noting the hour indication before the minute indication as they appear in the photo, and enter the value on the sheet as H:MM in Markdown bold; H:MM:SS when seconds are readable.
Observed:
**9:20**
